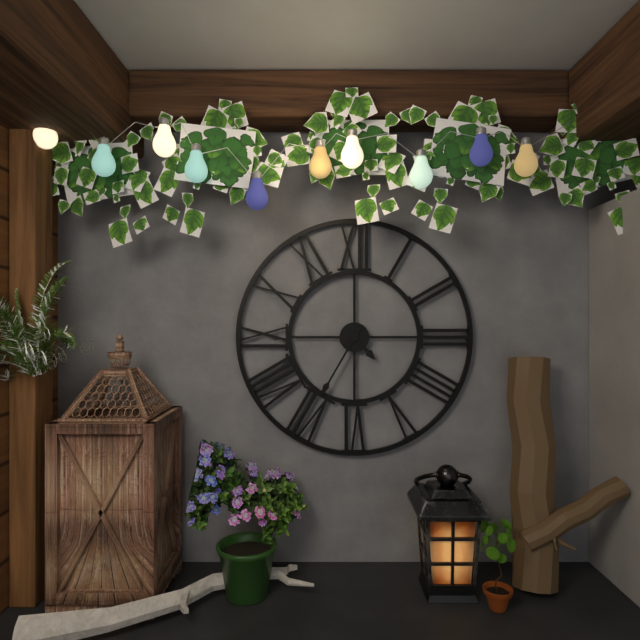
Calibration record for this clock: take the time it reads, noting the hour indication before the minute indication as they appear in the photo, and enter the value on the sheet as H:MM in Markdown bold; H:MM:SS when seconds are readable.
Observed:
**4:35**
